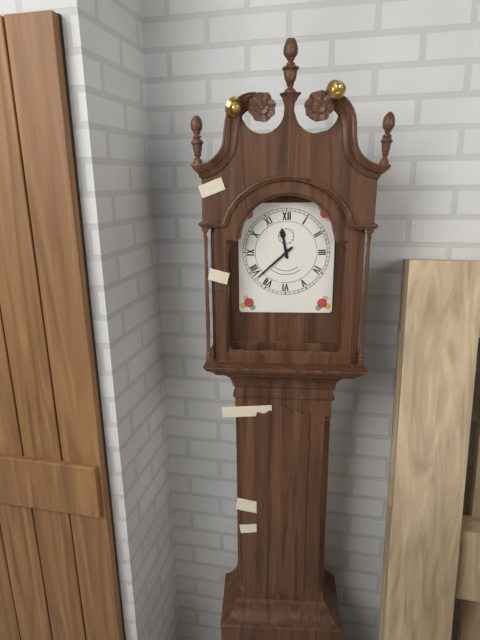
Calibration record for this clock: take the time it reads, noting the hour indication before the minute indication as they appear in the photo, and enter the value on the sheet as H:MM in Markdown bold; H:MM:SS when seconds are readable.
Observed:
**11:38**
